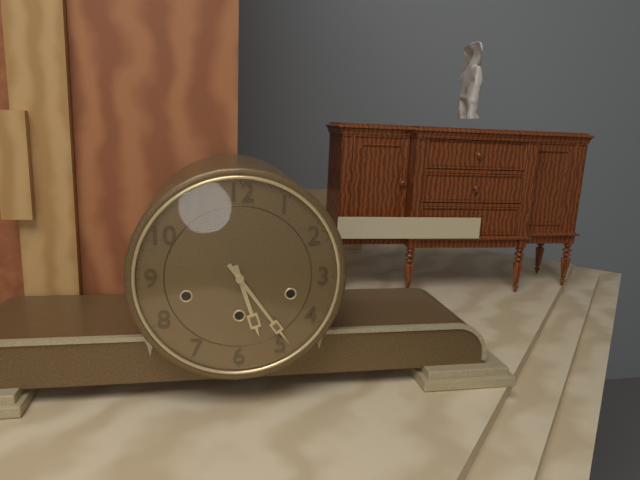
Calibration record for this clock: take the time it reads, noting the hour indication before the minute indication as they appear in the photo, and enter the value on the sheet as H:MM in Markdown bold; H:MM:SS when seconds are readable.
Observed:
**5:24**
